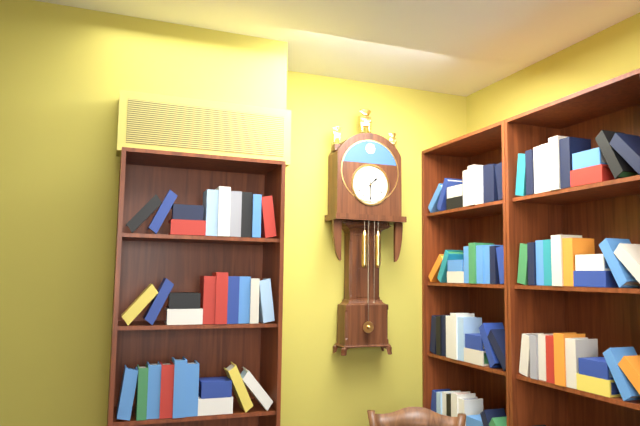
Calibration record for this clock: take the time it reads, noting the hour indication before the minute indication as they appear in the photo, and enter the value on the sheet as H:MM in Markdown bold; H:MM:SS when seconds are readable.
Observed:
**1:30**
